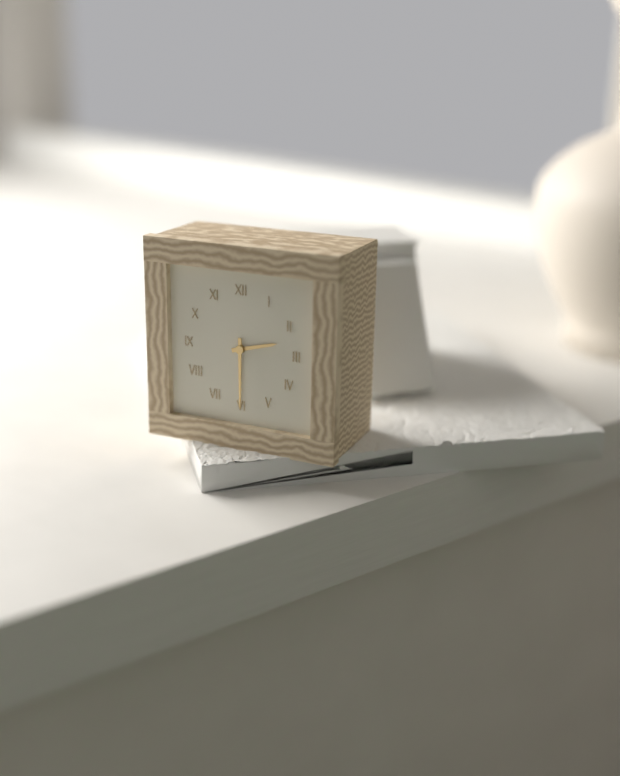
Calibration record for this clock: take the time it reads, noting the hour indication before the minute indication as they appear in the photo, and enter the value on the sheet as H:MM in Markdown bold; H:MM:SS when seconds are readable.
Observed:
**2:30**
